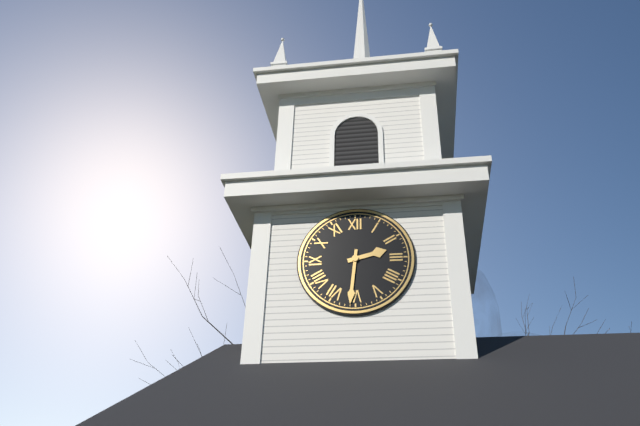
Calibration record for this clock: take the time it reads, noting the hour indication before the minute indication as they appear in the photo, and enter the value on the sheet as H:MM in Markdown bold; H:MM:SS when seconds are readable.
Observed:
**2:31**
